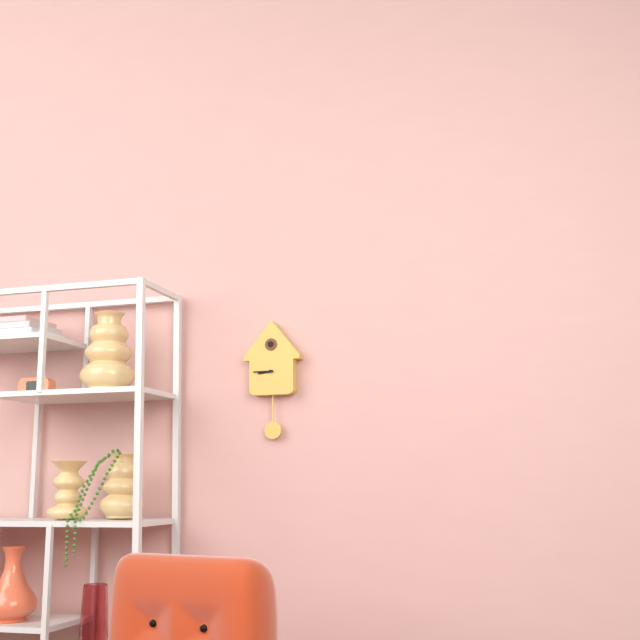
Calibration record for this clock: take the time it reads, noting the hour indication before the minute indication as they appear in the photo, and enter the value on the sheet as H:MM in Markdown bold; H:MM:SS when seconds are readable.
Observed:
**8:45**
